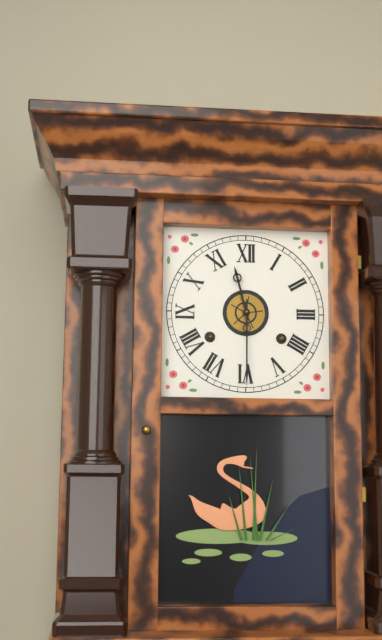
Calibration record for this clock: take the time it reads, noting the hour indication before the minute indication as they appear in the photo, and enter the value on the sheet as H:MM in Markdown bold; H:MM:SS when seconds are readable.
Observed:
**11:30**
